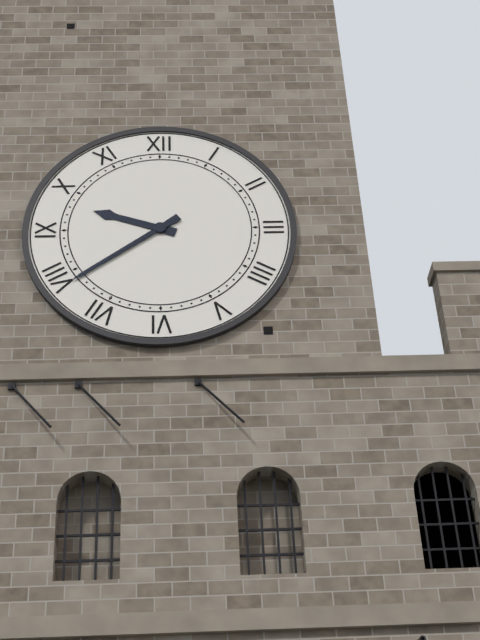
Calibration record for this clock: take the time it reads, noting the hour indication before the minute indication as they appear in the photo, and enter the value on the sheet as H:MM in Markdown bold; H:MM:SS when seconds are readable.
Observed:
**9:39**
